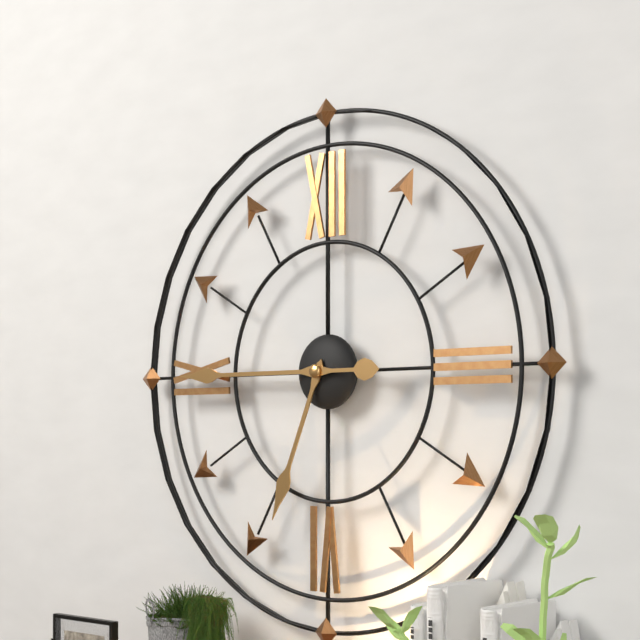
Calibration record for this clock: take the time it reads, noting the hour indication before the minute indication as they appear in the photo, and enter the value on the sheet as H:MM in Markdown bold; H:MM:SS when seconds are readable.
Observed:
**6:45**
